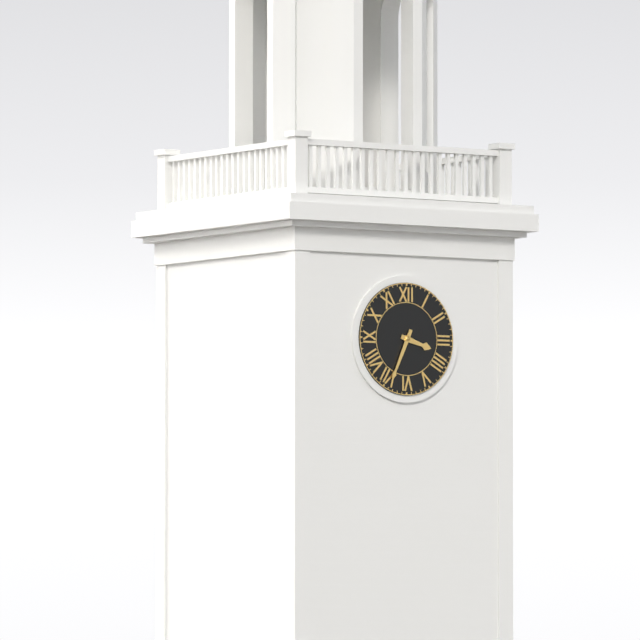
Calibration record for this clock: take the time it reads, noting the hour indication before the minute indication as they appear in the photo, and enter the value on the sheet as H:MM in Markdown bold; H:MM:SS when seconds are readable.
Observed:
**3:34**
